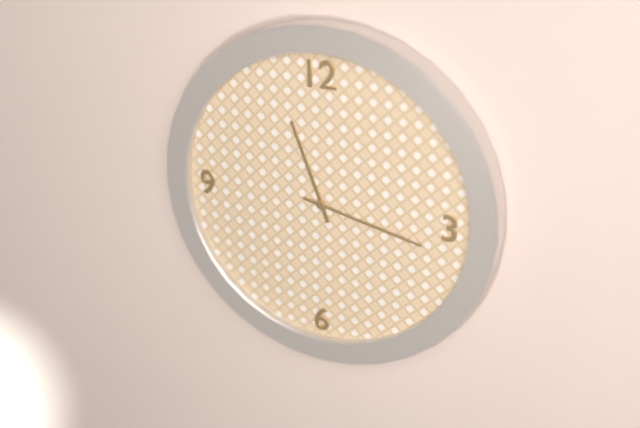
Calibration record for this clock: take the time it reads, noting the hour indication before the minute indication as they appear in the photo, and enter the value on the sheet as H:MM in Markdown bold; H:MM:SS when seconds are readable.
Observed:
**11:17**
